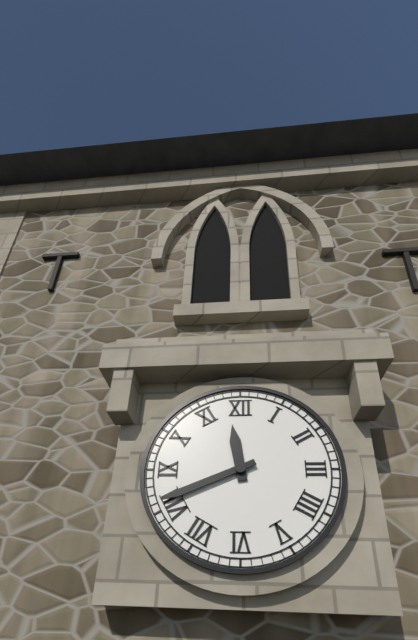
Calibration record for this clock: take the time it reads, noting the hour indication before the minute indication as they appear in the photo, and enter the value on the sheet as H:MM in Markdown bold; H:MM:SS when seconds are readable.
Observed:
**11:41**
